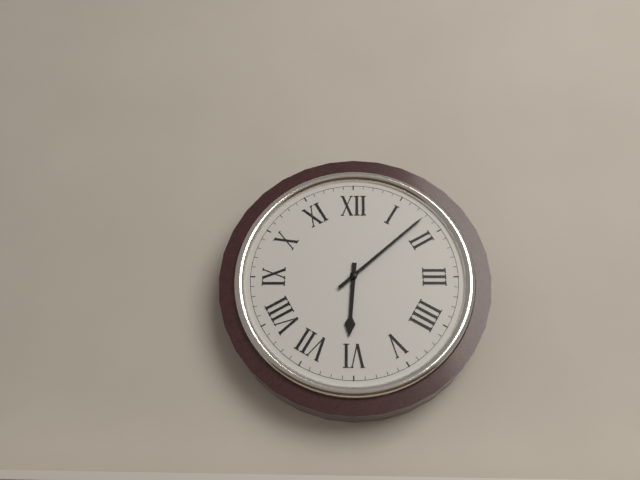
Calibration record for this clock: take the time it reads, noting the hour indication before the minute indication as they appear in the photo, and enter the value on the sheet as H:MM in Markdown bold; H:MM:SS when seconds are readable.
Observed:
**6:08**
